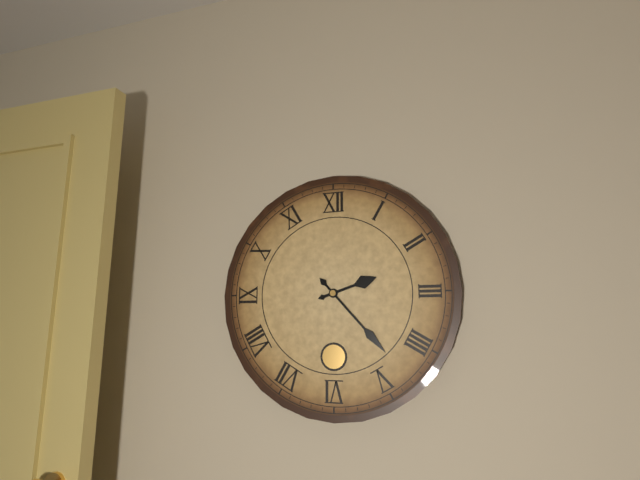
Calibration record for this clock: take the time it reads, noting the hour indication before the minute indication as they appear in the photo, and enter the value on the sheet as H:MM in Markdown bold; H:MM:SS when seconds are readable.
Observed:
**2:23**
